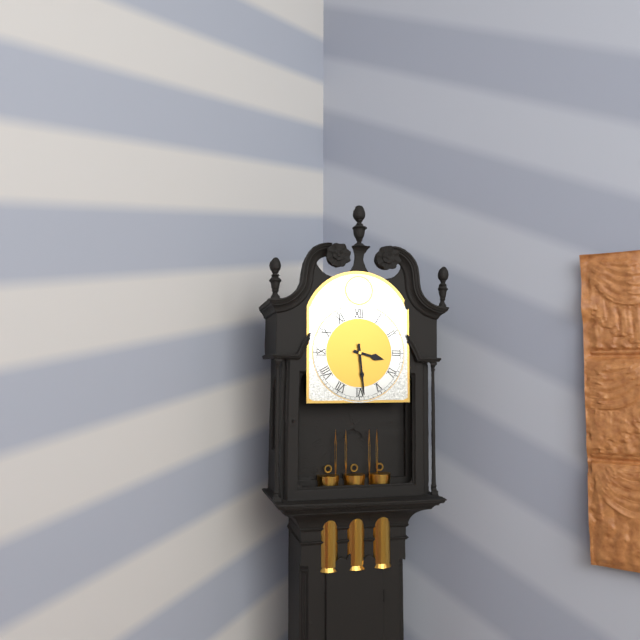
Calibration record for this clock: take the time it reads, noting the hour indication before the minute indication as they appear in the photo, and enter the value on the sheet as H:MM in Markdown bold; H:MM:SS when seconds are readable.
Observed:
**3:29**
